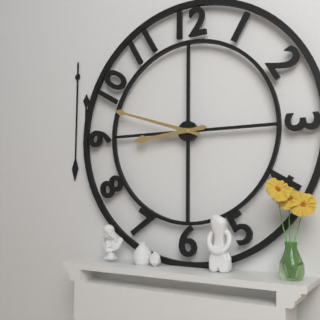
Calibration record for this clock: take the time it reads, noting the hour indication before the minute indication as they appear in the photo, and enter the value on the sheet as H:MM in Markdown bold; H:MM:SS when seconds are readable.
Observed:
**8:48**
